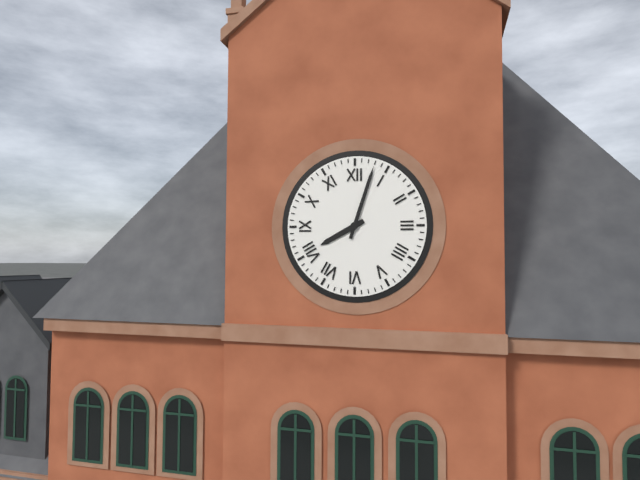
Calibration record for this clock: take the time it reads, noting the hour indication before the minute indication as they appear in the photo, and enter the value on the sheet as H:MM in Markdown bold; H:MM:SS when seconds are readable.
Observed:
**8:03**
